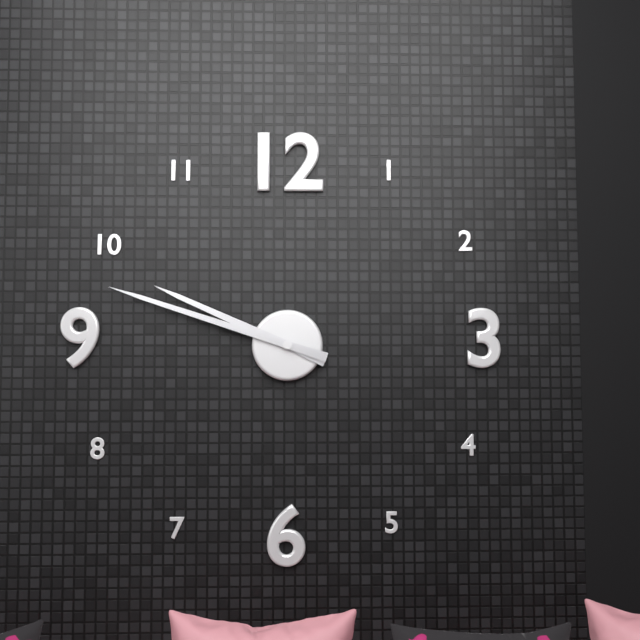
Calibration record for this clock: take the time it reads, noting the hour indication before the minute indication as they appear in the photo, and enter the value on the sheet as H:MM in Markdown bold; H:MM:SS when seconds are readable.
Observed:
**9:48**
